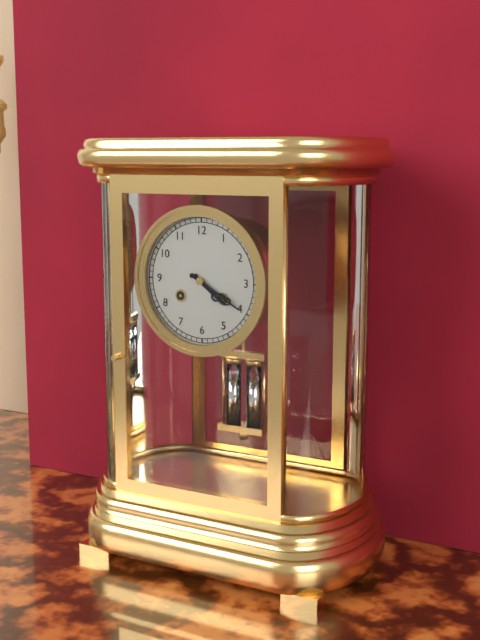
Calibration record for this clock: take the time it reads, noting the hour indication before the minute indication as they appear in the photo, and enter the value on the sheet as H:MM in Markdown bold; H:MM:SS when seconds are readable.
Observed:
**4:20**
